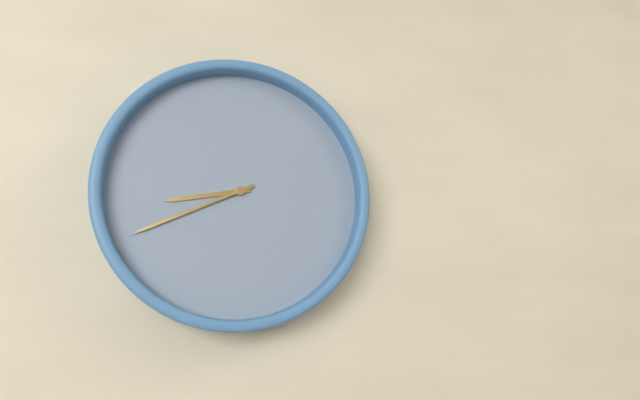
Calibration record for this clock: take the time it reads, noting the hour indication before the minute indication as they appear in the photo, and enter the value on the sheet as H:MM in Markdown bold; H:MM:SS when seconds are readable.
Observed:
**8:41**
